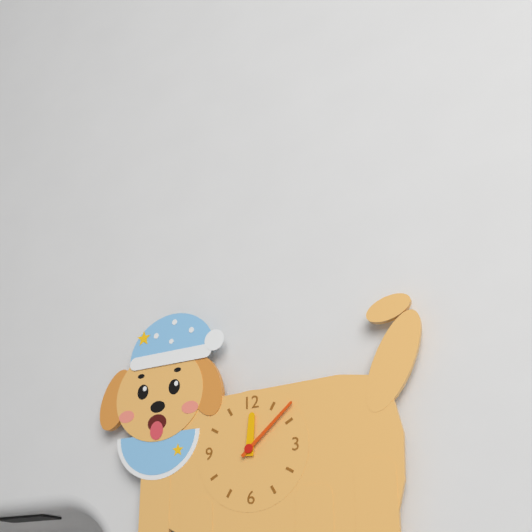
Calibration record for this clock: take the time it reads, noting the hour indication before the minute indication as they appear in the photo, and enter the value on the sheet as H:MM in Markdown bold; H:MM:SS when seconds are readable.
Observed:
**12:08**
